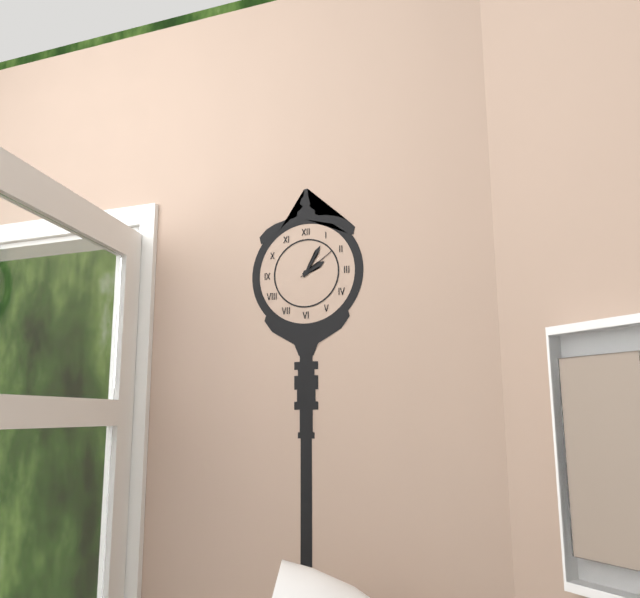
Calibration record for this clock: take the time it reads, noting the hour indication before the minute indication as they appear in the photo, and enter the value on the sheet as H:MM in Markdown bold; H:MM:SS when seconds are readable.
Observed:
**2:05**
